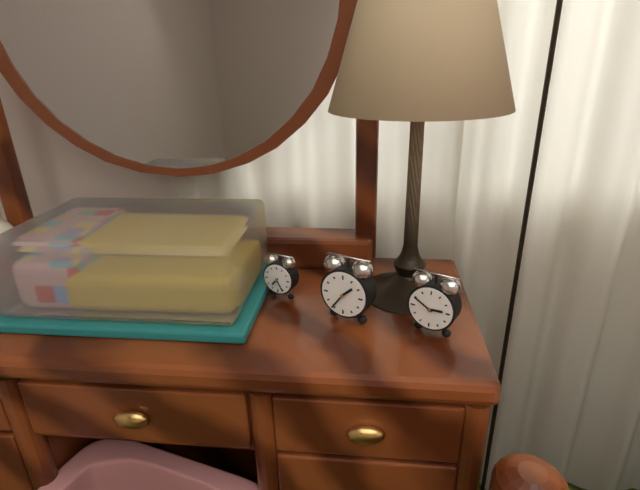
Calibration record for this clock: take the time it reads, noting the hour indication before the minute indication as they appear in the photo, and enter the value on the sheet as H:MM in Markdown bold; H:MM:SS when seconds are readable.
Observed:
**1:36**
